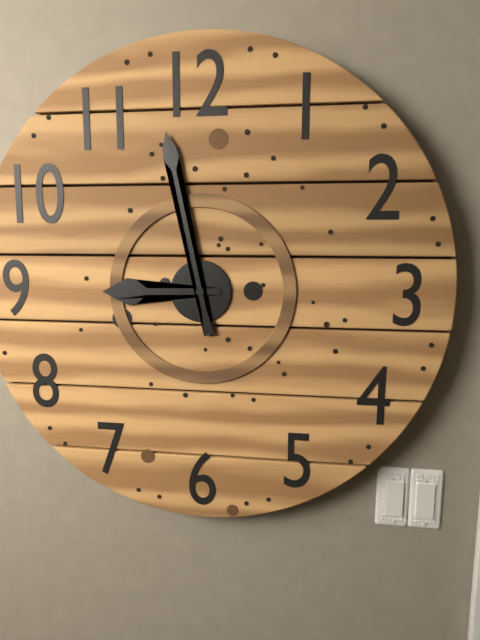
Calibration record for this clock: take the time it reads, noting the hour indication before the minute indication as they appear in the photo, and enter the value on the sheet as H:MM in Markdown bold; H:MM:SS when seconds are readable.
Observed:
**8:58**
